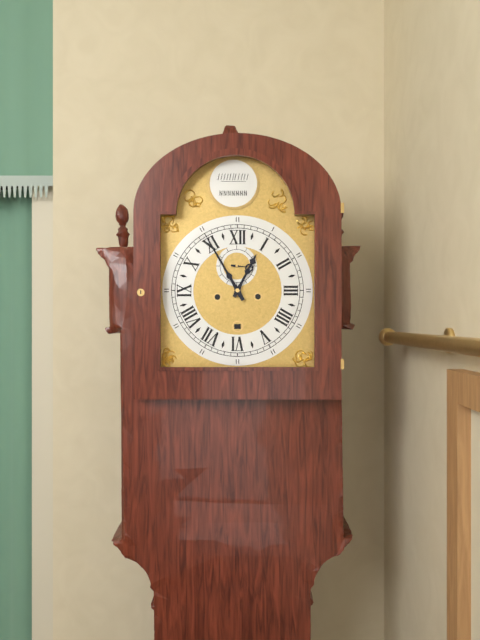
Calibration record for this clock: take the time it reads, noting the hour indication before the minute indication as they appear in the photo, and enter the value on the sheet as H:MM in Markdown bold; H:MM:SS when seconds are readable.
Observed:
**12:55**
